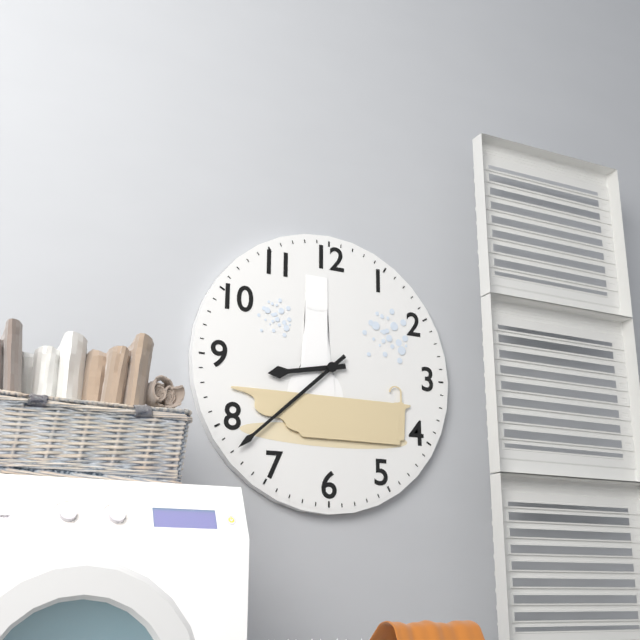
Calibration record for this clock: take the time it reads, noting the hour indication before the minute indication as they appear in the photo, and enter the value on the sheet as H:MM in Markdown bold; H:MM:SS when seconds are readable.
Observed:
**8:38**
